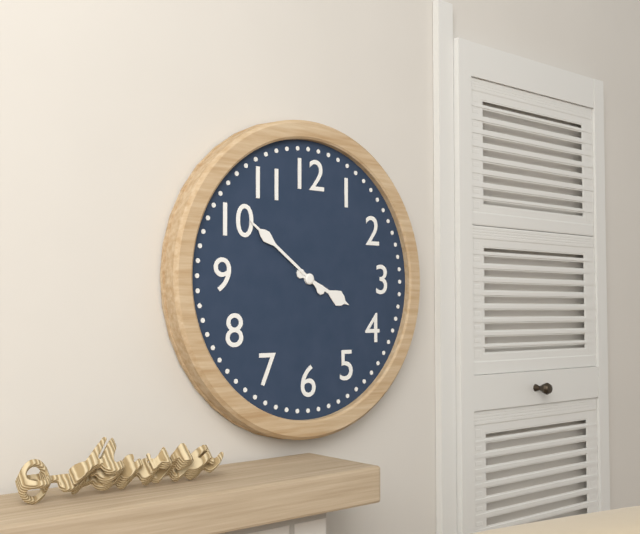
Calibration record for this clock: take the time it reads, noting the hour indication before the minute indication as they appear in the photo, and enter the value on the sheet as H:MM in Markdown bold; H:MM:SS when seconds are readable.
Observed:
**3:51**
